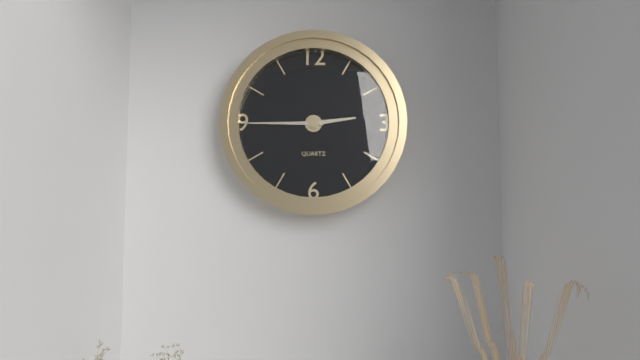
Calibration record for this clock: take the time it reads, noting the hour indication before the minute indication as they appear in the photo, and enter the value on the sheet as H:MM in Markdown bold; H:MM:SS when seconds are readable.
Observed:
**2:45**
